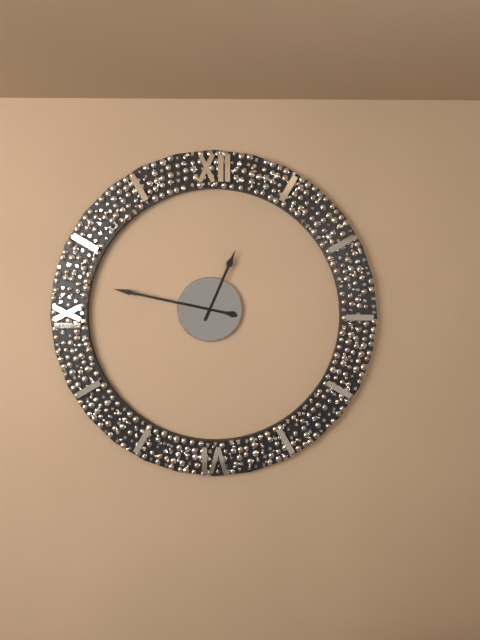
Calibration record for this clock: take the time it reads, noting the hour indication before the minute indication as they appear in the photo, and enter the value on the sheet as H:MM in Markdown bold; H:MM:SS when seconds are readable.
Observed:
**12:47**
